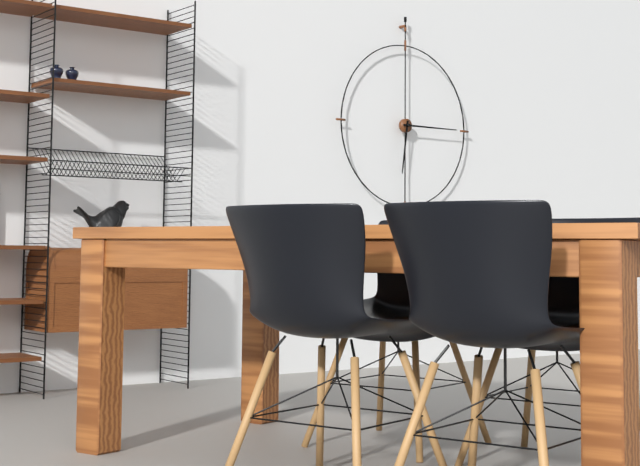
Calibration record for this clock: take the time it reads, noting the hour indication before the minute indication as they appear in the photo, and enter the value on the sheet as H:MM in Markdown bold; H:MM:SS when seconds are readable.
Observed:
**6:15**
